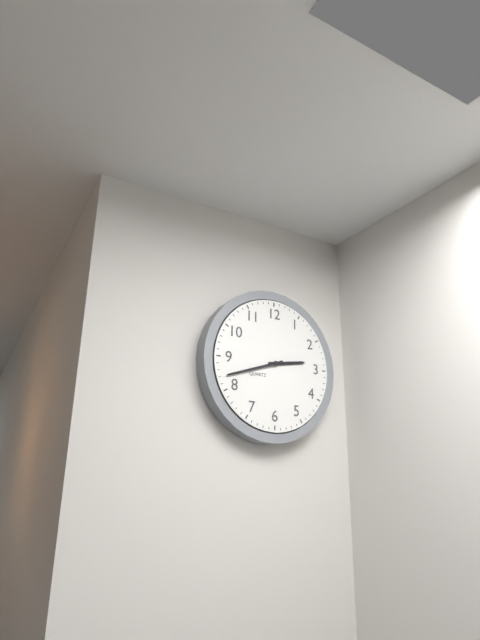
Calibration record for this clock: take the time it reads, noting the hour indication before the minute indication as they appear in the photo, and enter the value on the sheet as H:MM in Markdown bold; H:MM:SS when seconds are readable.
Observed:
**2:42**
